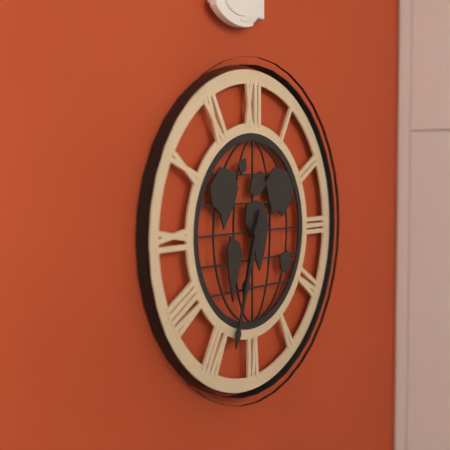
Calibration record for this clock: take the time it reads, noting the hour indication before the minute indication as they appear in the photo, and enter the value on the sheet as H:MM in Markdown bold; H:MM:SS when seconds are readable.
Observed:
**6:33**
